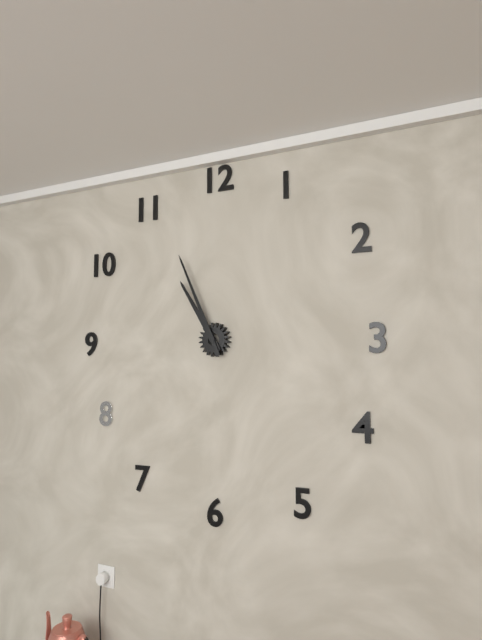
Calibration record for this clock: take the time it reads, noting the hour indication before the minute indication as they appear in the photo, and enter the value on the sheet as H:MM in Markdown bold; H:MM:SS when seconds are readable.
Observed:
**10:56**
